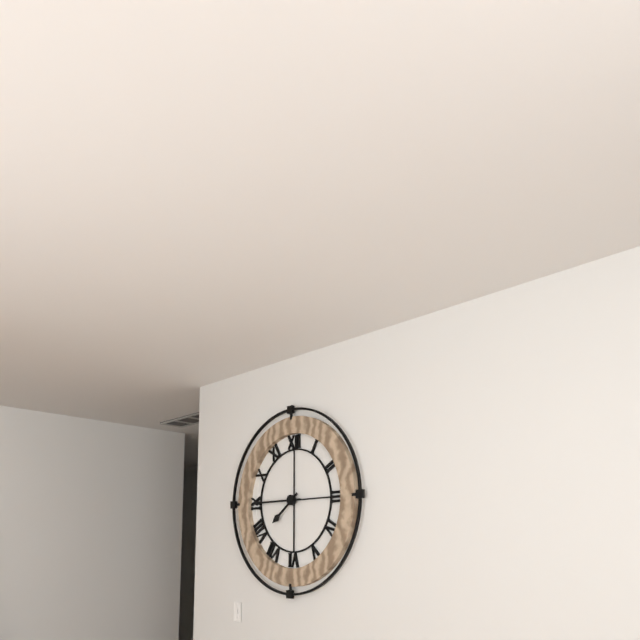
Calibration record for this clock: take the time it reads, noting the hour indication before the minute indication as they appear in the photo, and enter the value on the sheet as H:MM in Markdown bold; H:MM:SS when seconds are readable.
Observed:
**7:45**
